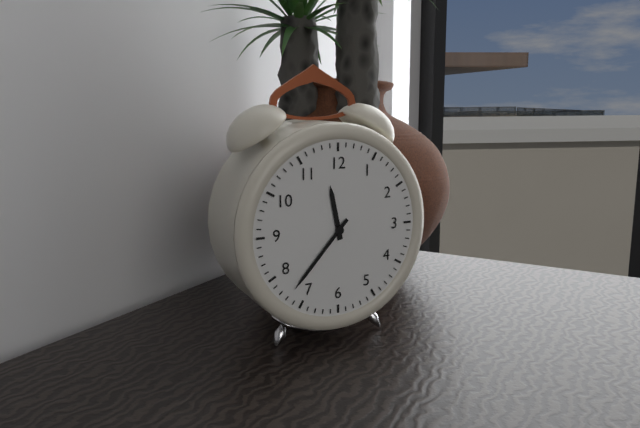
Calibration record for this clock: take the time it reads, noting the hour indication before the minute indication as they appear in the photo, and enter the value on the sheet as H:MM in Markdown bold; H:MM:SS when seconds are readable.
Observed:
**11:37**
